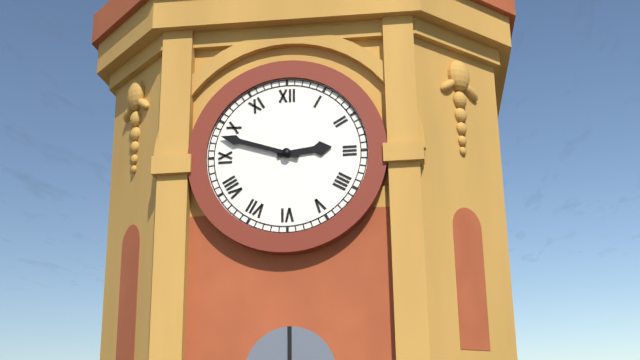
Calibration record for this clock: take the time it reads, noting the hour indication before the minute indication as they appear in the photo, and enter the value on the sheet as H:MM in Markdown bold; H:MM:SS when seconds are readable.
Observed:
**2:48**
